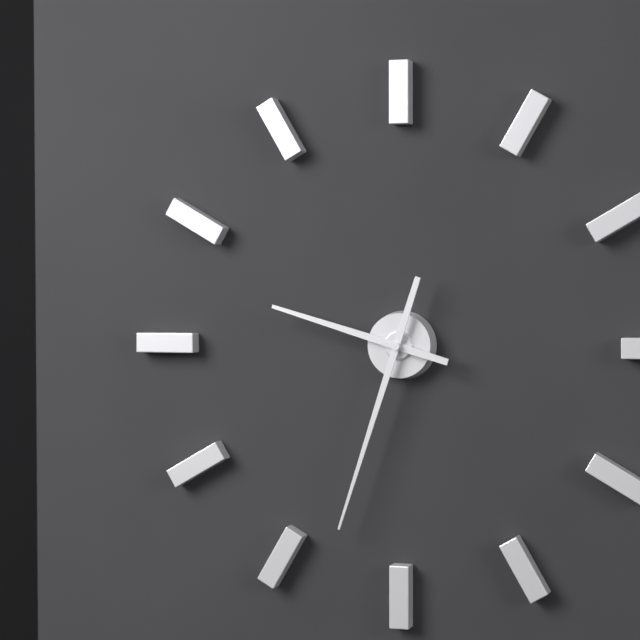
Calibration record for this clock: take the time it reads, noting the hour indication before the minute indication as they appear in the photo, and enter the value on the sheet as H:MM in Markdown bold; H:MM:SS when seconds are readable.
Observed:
**9:33**
